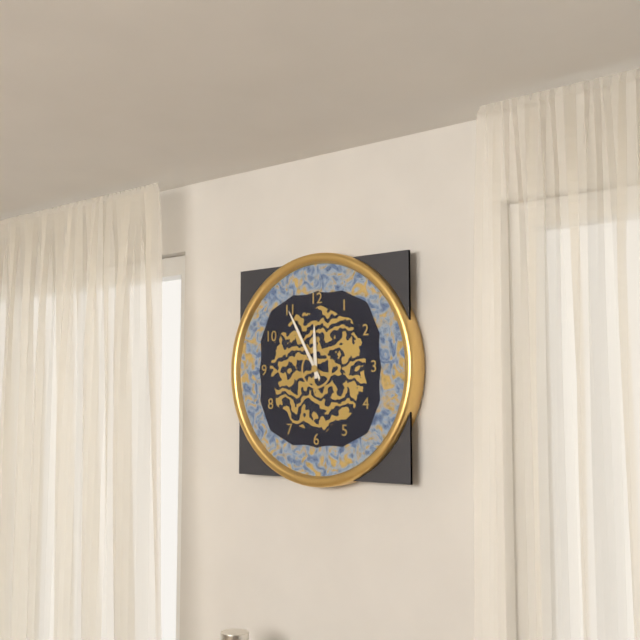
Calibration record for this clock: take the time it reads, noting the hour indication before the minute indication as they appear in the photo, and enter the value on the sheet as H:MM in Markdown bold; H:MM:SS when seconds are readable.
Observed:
**11:55**
